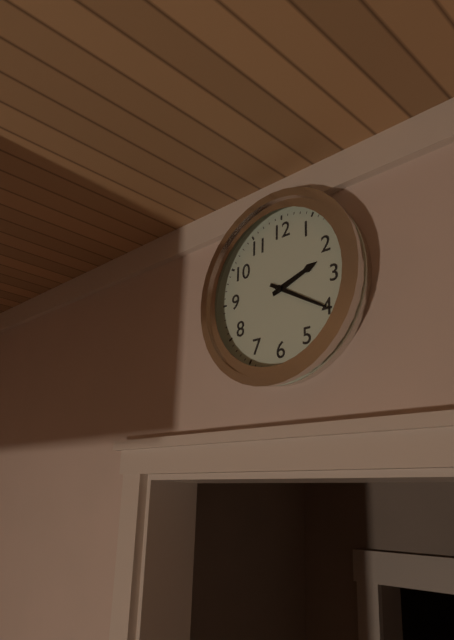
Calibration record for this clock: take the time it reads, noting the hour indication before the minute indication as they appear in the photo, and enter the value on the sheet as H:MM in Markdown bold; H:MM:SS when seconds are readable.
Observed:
**2:20**
